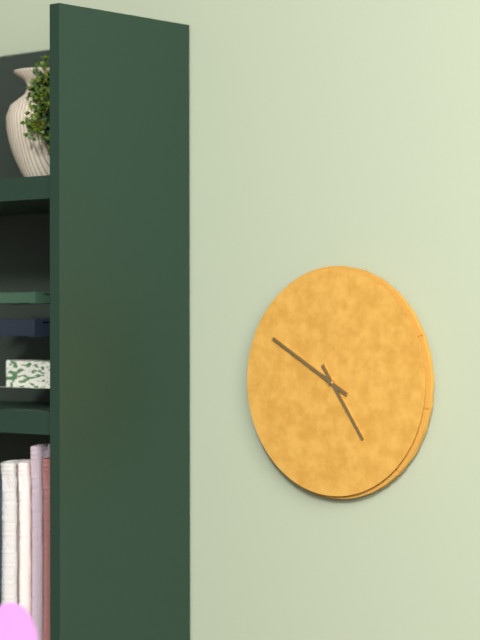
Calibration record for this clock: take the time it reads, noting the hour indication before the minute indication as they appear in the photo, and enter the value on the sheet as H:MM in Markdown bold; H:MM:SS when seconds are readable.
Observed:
**4:50**
